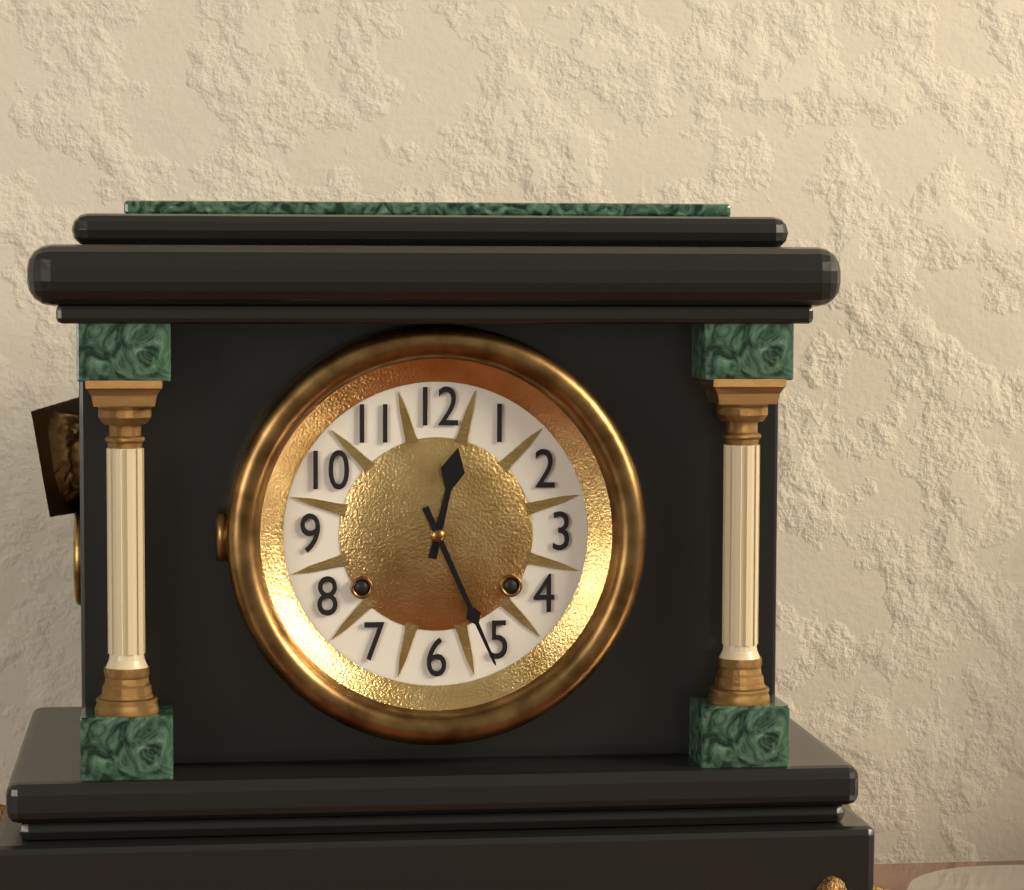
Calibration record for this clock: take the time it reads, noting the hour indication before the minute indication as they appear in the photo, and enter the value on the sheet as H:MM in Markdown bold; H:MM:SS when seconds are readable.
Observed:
**12:26**
